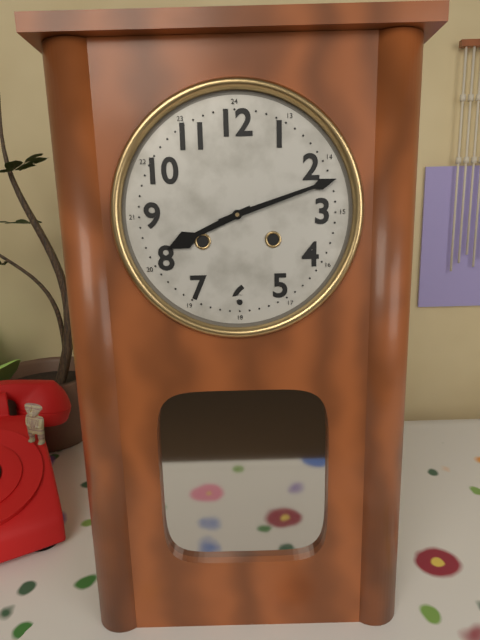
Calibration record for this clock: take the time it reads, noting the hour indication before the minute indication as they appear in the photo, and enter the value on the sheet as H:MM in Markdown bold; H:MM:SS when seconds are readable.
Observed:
**8:12**
